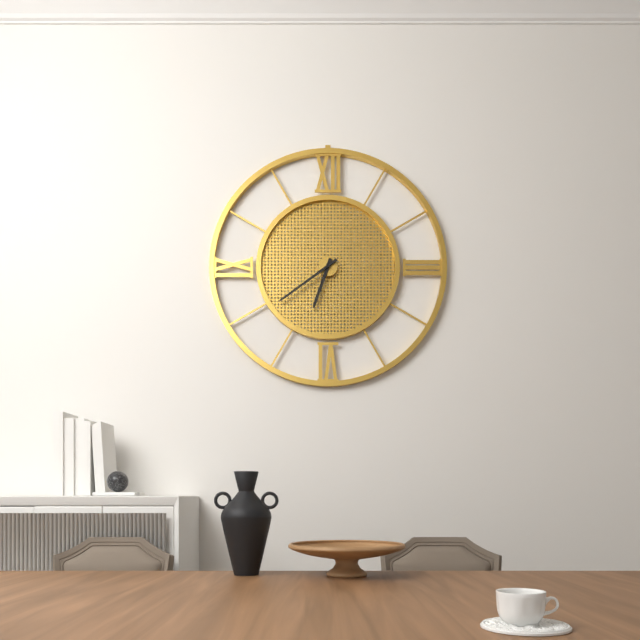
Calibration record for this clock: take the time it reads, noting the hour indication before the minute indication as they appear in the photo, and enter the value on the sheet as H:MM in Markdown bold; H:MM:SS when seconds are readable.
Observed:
**6:39**
